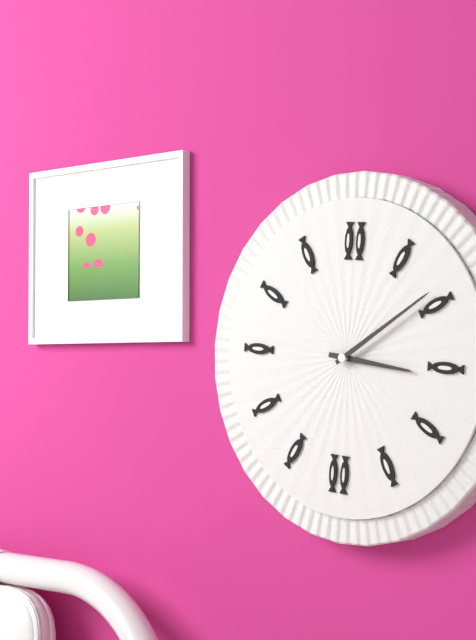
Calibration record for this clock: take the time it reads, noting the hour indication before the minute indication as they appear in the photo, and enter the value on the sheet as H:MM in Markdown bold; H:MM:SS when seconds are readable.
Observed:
**3:09**
